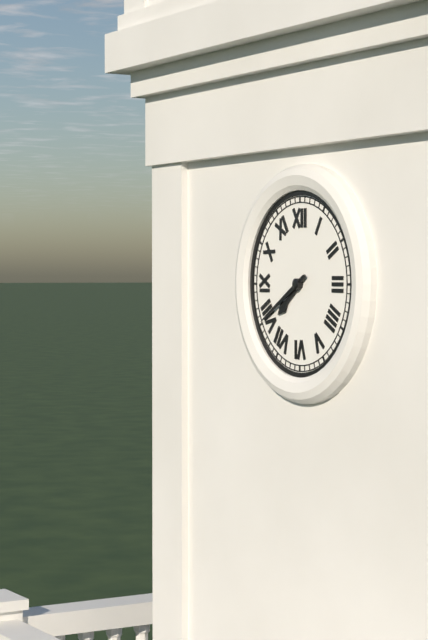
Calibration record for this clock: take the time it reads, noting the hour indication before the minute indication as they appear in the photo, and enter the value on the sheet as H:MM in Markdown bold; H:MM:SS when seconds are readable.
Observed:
**7:40**
